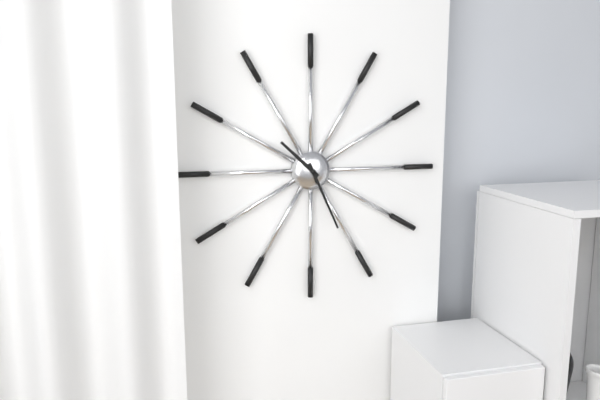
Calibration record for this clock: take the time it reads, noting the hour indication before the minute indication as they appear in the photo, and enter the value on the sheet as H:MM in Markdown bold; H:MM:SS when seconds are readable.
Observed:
**10:26**
